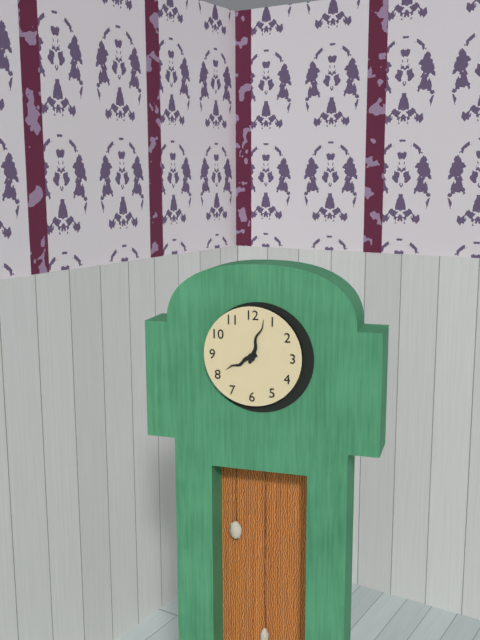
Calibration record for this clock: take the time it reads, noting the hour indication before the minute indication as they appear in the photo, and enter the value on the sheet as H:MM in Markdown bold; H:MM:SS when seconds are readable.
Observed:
**8:03**
